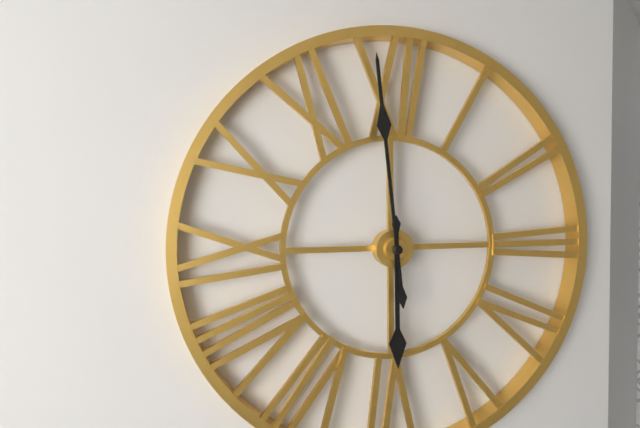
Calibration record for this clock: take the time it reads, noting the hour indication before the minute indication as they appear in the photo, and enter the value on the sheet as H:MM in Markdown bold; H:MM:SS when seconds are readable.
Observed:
**5:59**
